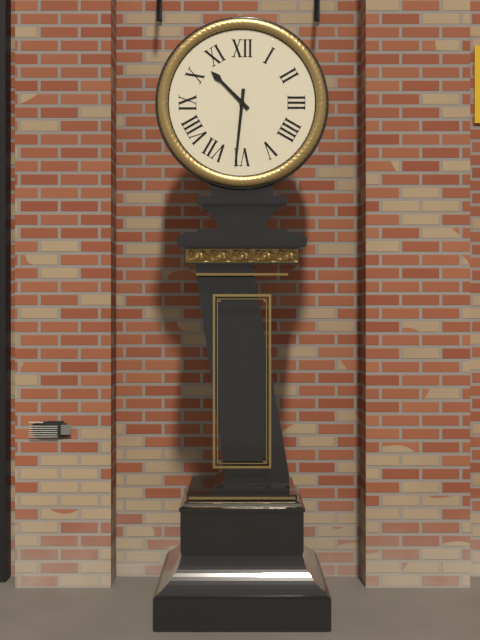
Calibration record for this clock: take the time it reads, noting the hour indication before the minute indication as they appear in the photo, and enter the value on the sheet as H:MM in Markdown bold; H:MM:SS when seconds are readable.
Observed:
**10:31**
